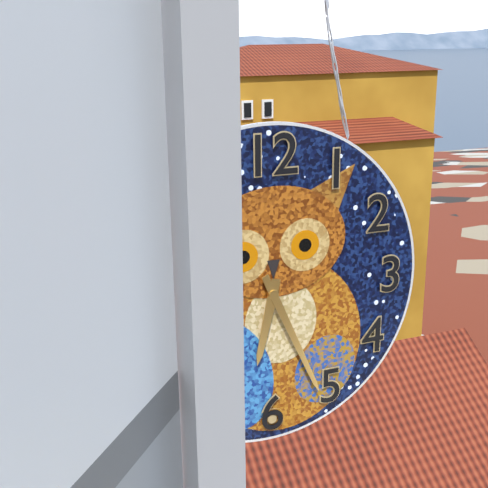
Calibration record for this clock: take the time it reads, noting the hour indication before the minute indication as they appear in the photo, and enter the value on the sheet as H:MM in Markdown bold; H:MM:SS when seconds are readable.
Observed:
**6:26**
